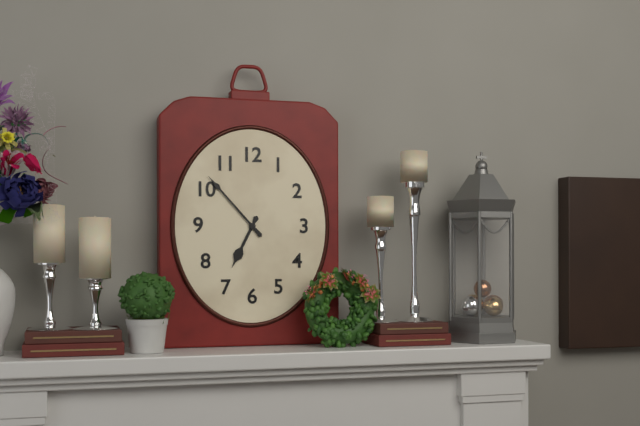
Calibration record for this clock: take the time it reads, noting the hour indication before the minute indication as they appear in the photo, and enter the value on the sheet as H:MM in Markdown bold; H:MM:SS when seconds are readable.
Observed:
**6:53**
